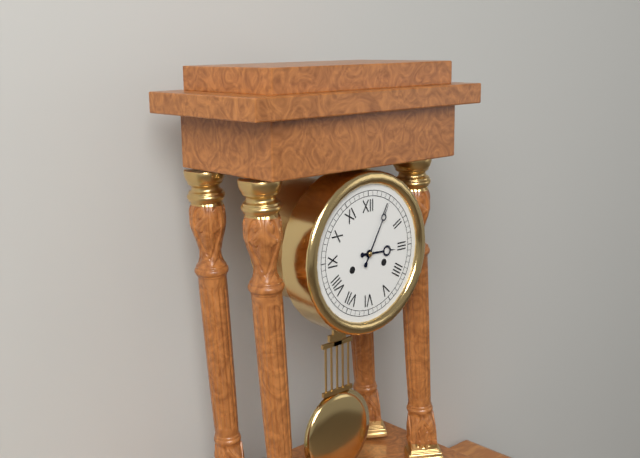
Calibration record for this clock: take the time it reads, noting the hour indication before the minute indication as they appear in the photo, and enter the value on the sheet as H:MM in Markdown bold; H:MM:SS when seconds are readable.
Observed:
**3:05**
